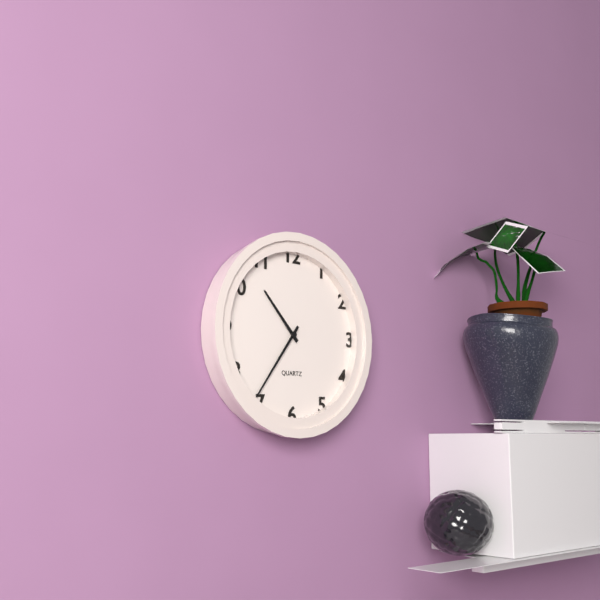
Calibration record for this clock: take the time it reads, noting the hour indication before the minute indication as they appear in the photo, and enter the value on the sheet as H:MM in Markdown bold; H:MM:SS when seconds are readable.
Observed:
**10:36**
